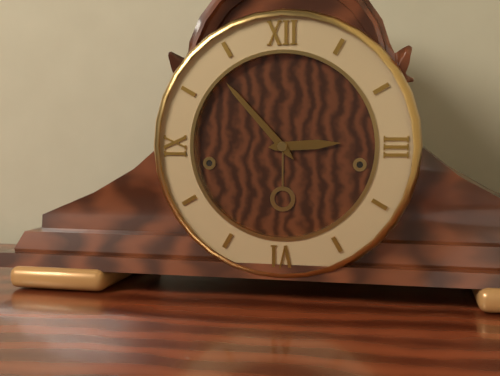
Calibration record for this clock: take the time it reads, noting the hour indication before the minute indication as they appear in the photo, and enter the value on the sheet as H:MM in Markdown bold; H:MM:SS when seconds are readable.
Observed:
**2:53**
